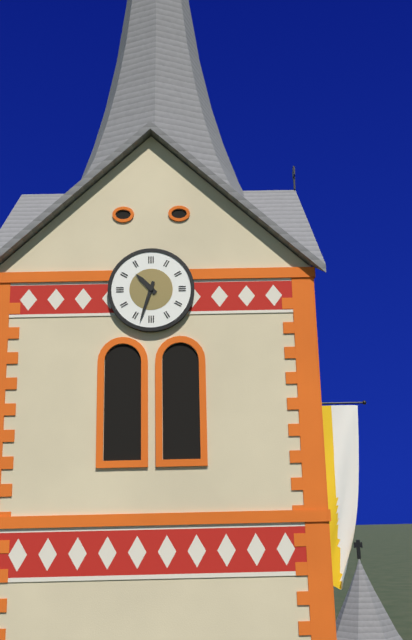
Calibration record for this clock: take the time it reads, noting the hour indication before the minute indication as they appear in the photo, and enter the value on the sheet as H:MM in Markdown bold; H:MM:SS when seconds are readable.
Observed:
**10:33**
